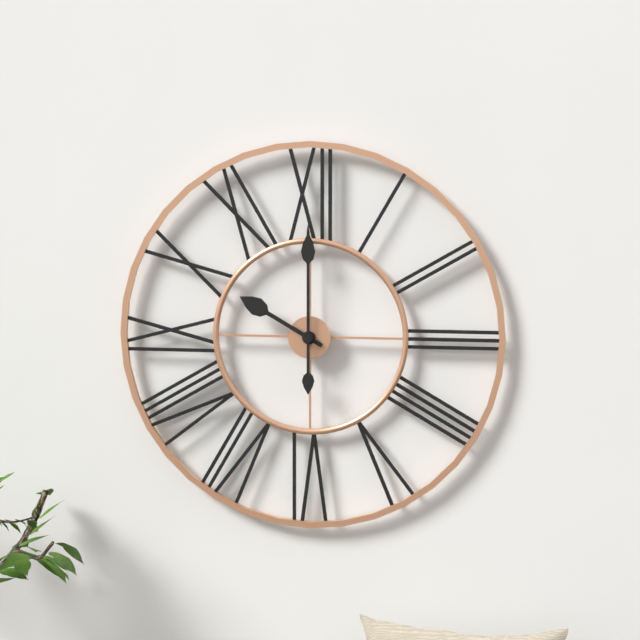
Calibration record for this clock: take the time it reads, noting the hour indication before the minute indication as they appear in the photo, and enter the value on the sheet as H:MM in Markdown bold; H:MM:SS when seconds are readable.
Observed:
**10:00**
